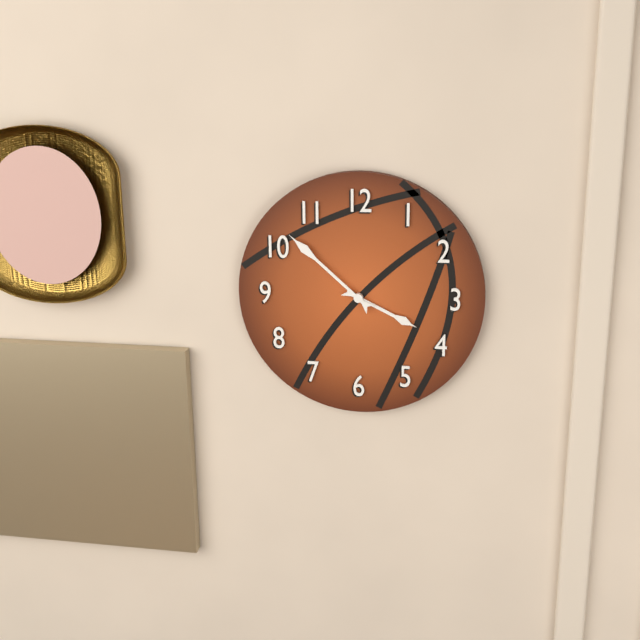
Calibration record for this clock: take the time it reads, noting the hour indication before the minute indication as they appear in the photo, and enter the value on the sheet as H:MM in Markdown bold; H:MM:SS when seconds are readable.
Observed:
**3:52**
